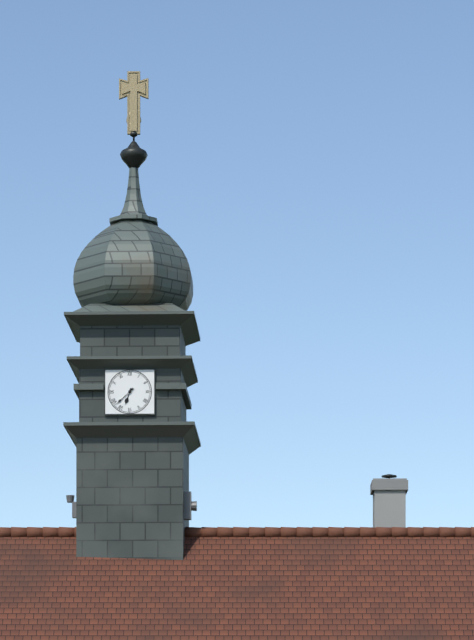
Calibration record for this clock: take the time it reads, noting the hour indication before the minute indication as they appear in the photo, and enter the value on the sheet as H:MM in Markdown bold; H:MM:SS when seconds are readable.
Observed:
**6:38**
